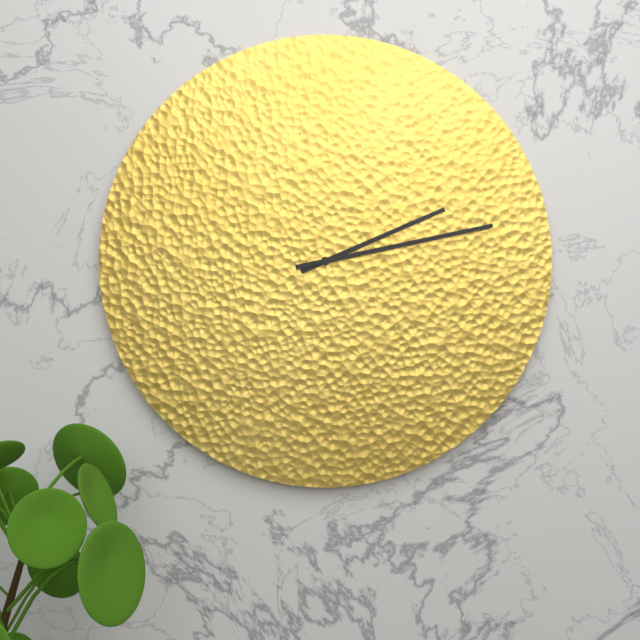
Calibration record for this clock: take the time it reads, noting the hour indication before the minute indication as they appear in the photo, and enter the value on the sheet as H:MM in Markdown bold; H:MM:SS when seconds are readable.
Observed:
**2:13**
